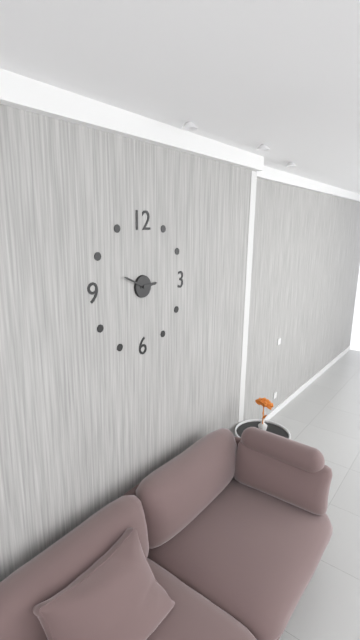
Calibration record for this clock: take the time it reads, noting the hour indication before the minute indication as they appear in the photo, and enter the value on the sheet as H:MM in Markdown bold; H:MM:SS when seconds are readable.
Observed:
**2:49**
